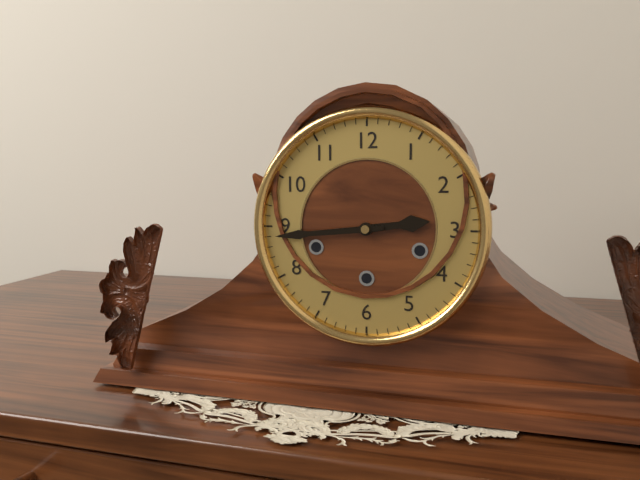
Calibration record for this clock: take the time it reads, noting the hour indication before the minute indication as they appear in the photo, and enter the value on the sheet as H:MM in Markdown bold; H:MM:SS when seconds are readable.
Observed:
**2:44**
